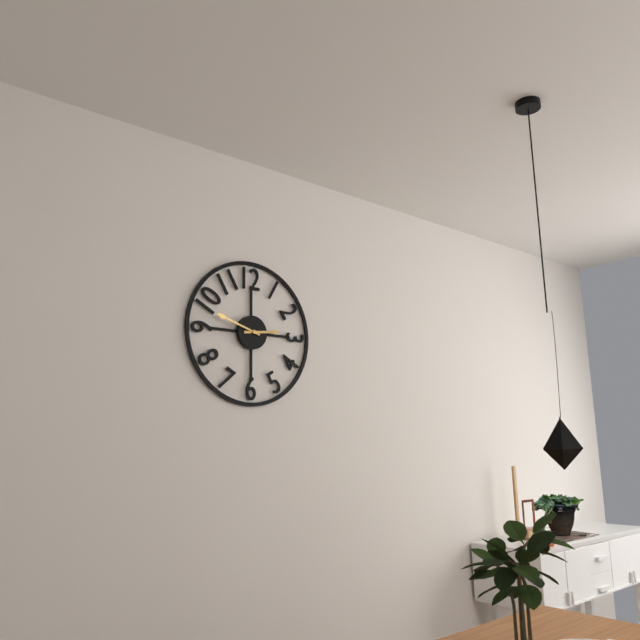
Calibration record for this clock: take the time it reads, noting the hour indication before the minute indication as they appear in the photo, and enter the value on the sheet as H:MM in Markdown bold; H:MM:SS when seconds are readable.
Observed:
**2:48**
